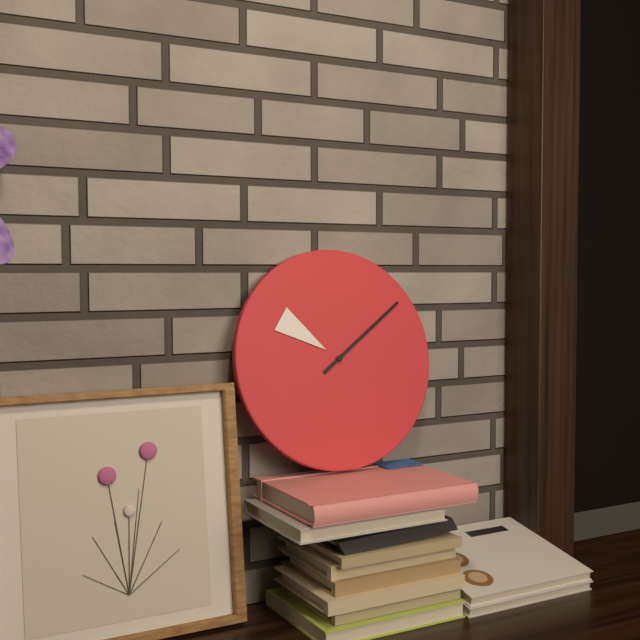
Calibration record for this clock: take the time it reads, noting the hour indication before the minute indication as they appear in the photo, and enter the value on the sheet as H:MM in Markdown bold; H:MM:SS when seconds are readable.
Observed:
**10:09**
